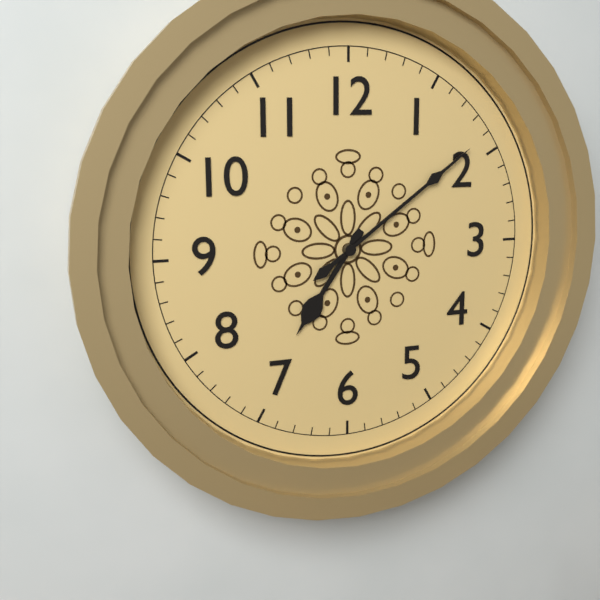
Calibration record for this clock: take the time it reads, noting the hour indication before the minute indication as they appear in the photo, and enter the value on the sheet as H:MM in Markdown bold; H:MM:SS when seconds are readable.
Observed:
**7:09**
